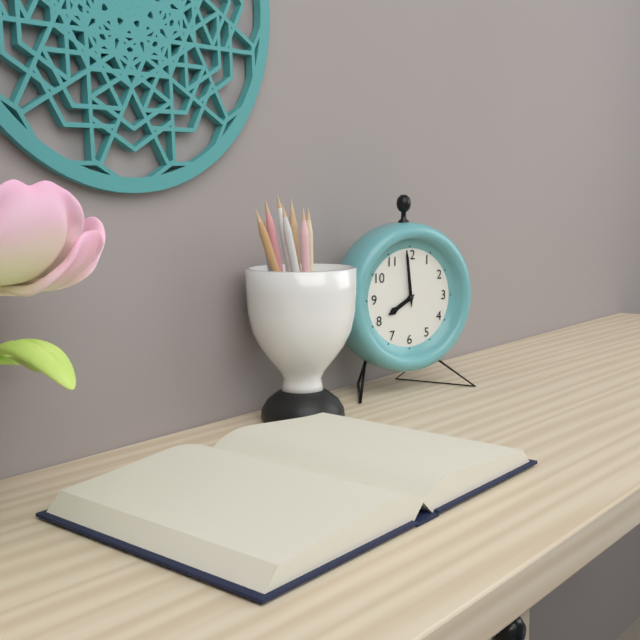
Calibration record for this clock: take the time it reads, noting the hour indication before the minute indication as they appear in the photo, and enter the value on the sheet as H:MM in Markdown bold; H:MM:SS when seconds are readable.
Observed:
**7:59**
